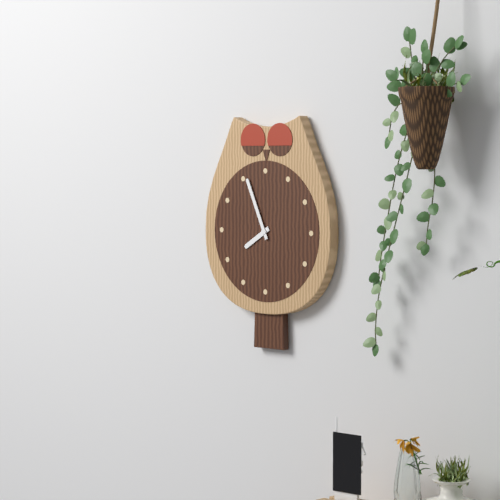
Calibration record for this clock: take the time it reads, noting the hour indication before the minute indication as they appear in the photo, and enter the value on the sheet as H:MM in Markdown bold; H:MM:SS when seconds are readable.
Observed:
**7:56**
